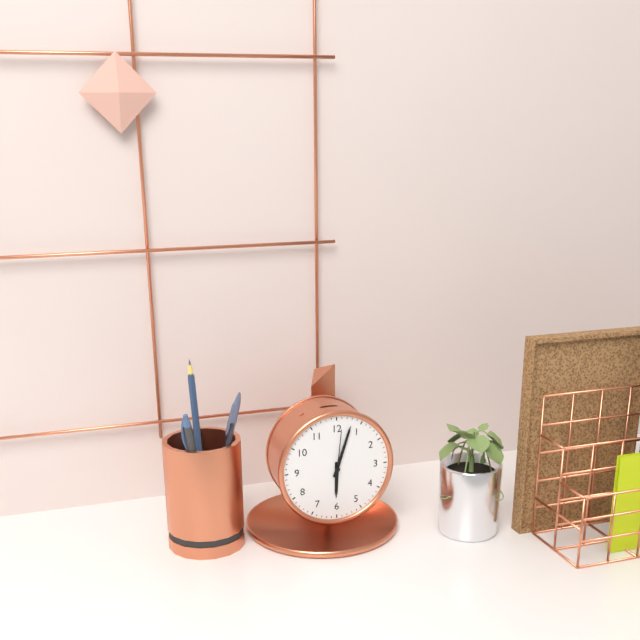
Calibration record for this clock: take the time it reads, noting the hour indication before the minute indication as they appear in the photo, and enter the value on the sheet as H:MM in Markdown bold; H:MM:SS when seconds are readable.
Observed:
**6:03**
